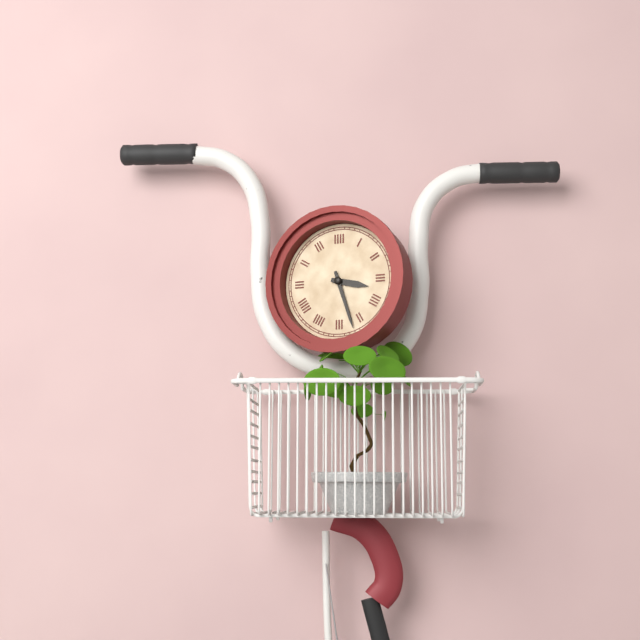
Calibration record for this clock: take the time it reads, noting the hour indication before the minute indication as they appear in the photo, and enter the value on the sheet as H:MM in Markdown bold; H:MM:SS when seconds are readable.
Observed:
**3:27**
